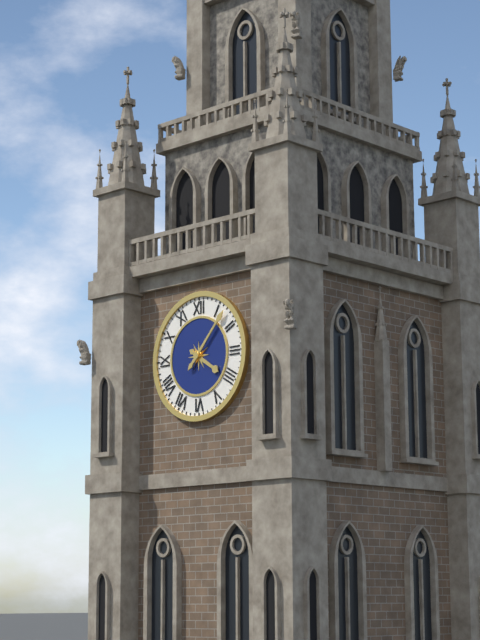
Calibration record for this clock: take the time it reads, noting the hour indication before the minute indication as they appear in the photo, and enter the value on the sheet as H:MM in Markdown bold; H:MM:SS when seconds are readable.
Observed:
**4:07**
